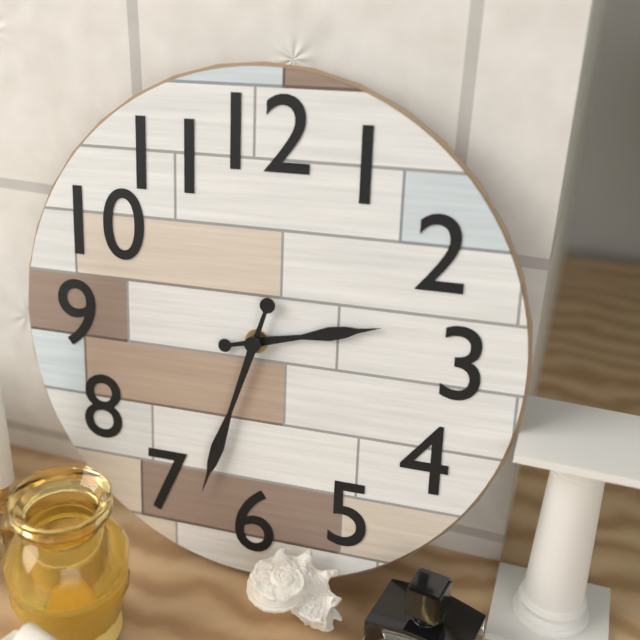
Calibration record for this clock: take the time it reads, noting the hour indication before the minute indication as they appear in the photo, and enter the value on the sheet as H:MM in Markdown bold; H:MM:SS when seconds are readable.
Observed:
**2:33**
